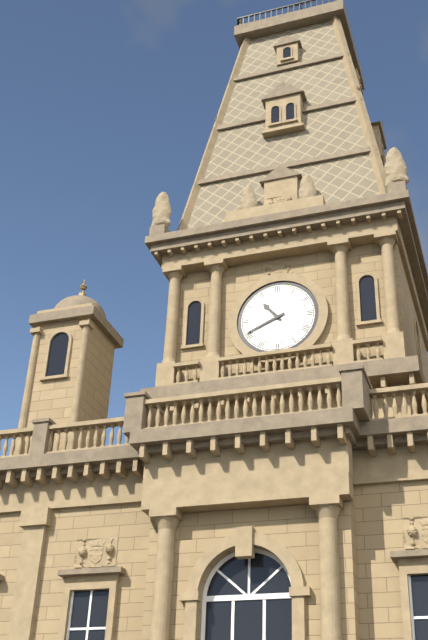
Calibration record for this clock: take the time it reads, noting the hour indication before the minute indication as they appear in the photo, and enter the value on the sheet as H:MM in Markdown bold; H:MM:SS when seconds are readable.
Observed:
**10:41**
